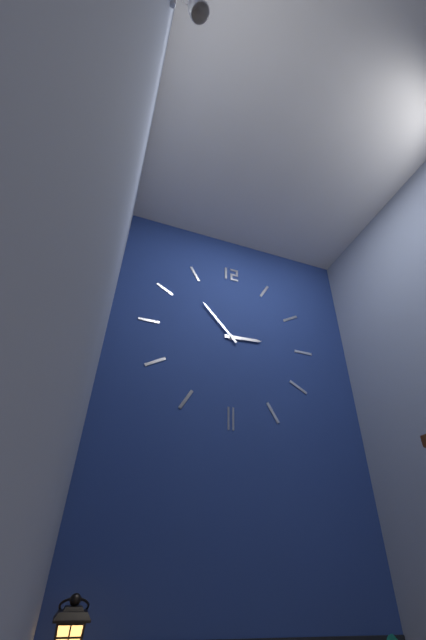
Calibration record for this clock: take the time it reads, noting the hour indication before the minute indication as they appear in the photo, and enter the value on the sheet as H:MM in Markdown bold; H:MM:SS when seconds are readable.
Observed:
**2:53**
